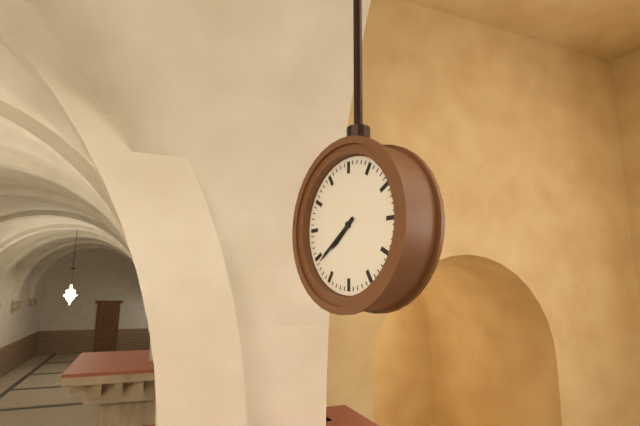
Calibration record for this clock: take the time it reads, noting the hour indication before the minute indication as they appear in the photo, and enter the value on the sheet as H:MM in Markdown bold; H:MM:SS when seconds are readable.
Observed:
**7:39**
